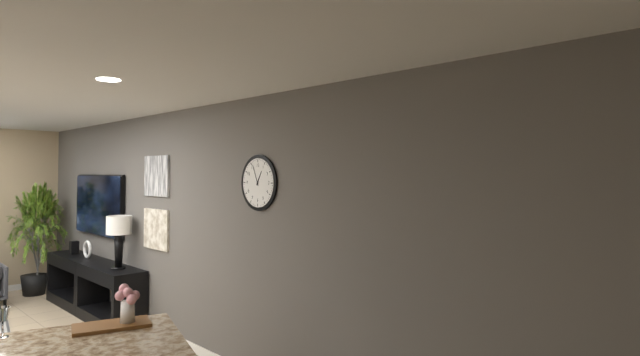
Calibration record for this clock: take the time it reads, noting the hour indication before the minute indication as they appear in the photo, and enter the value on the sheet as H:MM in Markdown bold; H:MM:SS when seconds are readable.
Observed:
**12:56**
